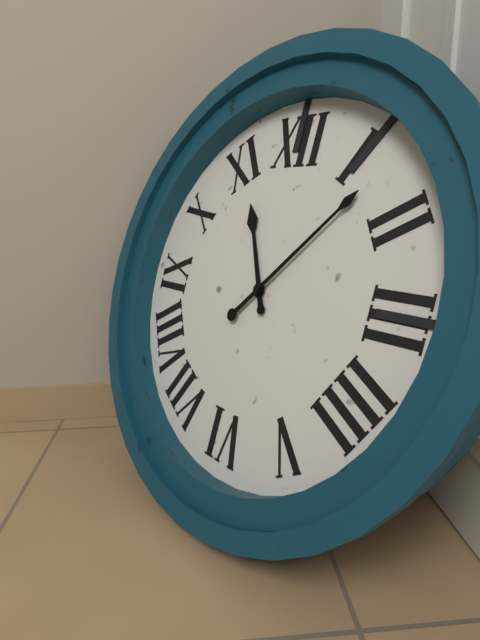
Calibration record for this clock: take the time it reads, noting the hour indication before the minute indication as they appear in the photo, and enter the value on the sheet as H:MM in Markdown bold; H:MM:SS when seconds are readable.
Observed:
**11:07**
